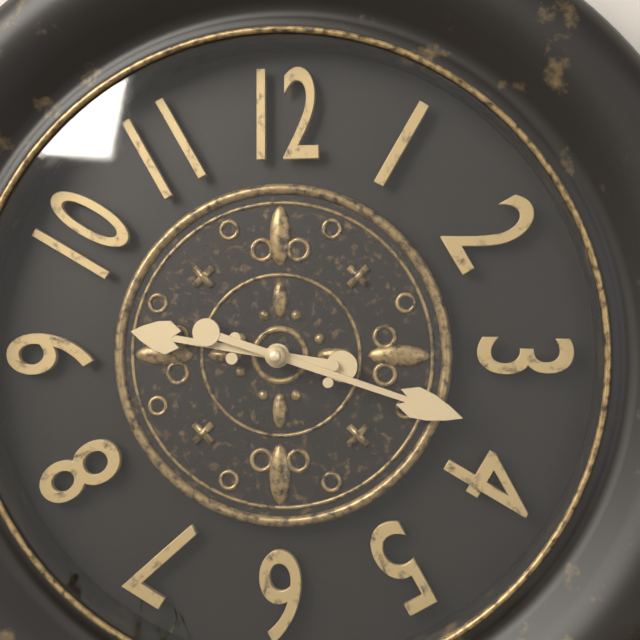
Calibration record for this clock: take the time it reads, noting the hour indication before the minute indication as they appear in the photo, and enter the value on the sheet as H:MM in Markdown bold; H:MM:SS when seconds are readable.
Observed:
**9:18**
